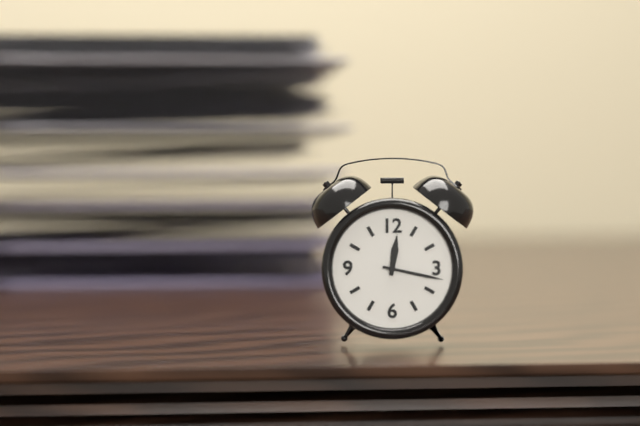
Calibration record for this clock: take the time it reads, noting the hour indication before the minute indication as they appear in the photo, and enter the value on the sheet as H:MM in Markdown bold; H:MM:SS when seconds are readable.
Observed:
**12:17**
